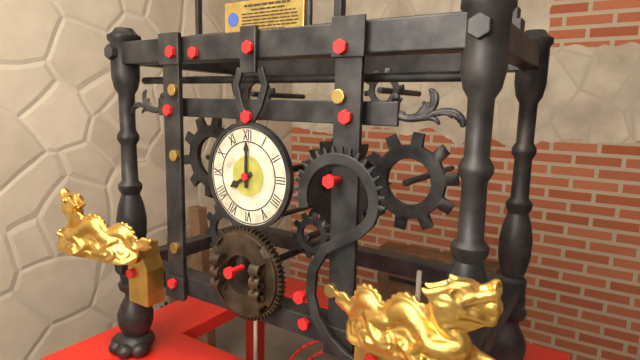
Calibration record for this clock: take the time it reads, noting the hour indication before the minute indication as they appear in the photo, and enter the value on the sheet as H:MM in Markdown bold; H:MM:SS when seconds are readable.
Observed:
**8:00**
